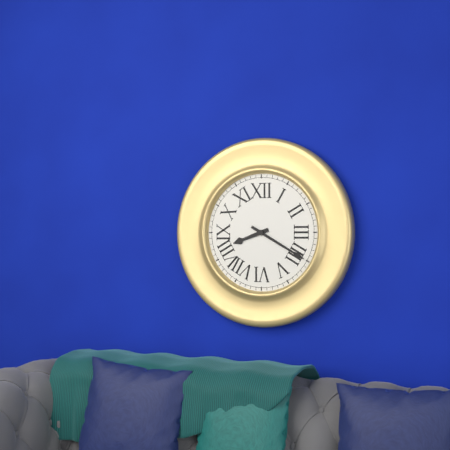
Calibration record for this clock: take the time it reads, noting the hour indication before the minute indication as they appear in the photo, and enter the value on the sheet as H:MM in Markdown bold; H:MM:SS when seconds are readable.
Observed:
**8:20**
